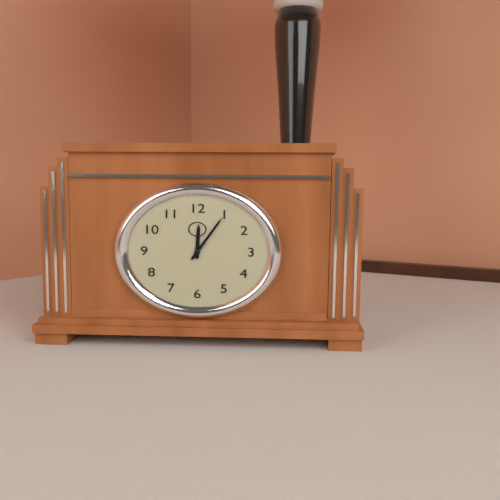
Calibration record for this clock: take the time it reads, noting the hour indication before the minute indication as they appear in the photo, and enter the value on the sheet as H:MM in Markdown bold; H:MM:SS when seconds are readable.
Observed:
**12:05**
